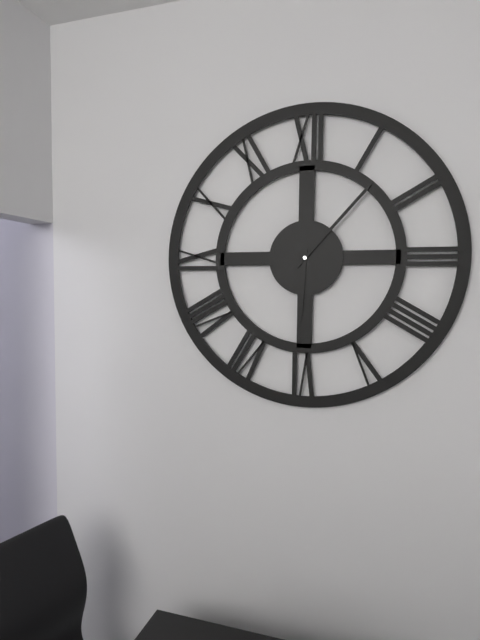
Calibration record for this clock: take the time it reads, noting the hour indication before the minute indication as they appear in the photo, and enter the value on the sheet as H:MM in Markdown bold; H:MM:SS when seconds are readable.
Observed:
**6:07**
